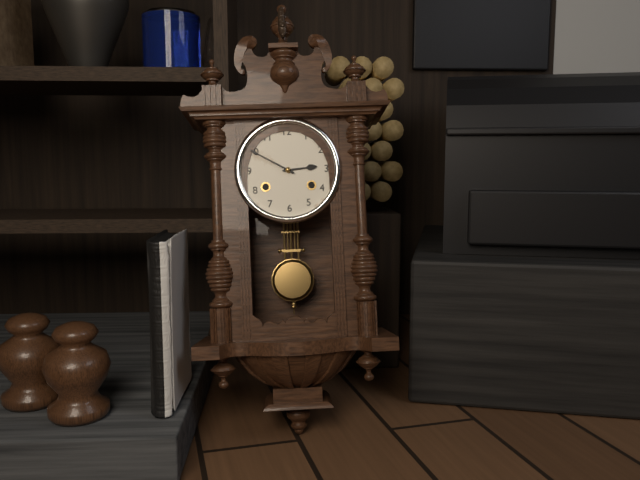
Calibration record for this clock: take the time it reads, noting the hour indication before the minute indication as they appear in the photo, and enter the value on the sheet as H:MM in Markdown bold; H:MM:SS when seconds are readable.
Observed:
**2:50**
